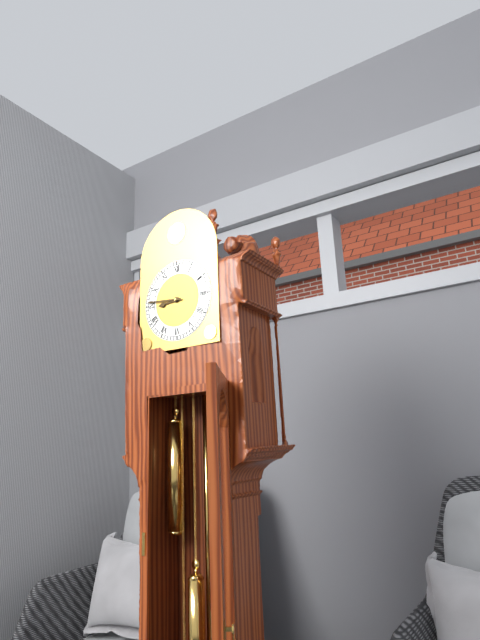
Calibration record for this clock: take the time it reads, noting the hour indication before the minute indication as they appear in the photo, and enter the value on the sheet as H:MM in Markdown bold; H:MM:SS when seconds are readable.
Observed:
**8:46**
